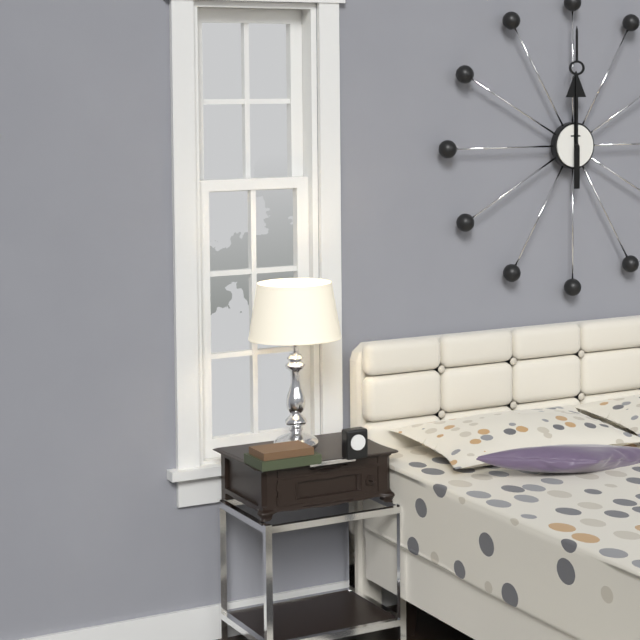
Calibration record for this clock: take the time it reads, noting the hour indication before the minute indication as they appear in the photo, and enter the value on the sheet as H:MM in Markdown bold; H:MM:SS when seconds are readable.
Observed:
**12:00**
